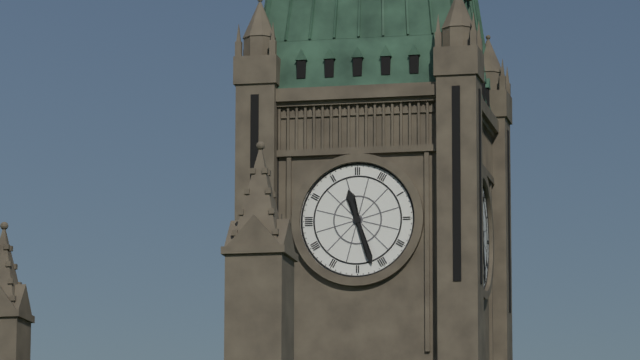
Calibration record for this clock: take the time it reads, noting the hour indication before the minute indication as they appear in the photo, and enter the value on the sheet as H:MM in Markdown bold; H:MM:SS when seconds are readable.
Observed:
**11:27**
